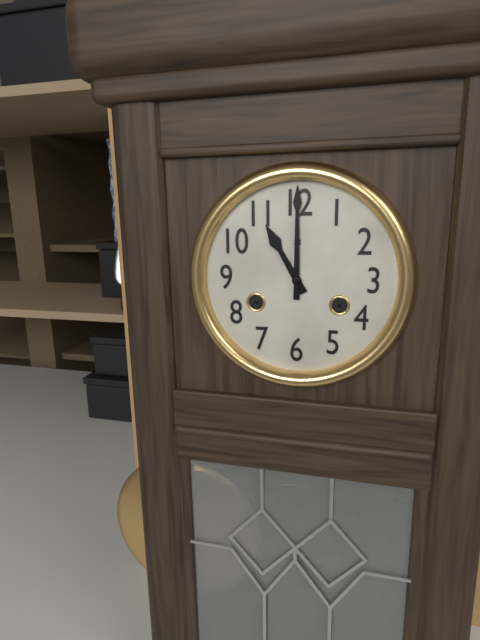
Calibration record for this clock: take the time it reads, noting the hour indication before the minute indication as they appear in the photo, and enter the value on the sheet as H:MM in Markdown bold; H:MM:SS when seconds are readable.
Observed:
**11:00**
